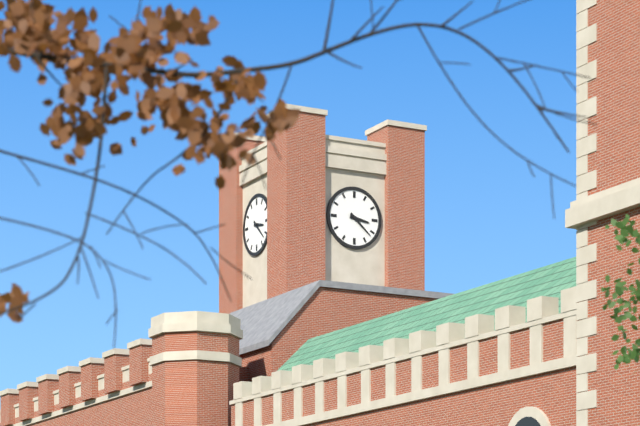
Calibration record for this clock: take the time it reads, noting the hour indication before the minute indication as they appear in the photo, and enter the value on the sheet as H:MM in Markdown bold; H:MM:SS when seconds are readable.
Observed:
**3:22**
